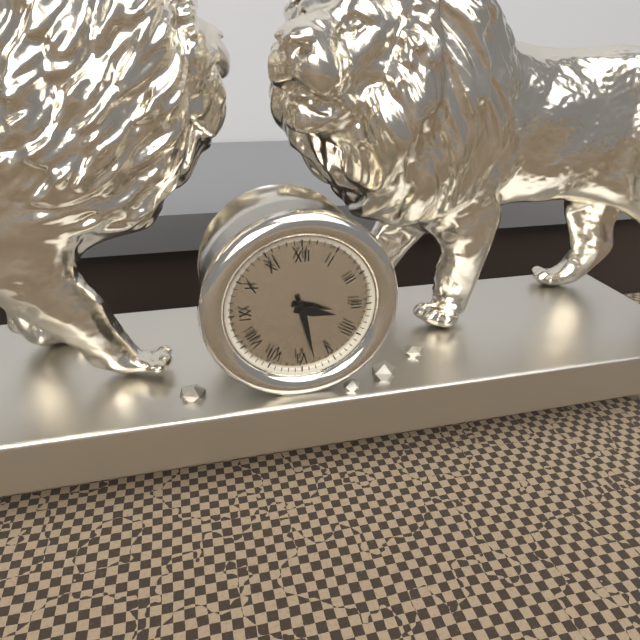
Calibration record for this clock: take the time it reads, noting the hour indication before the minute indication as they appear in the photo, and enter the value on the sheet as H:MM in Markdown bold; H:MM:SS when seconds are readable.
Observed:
**3:28**
